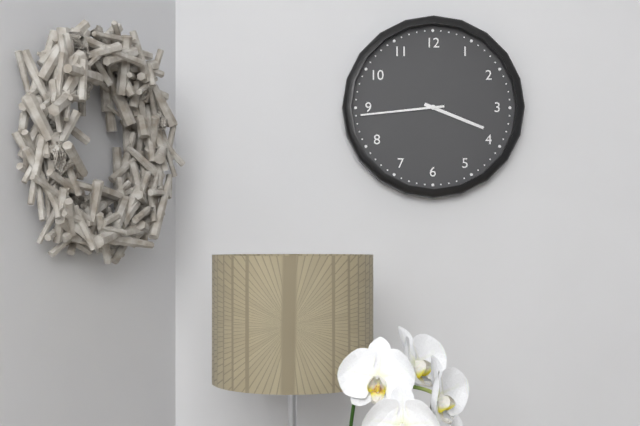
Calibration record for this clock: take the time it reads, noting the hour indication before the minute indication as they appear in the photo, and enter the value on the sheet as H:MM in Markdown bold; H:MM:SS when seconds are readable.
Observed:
**3:44**
